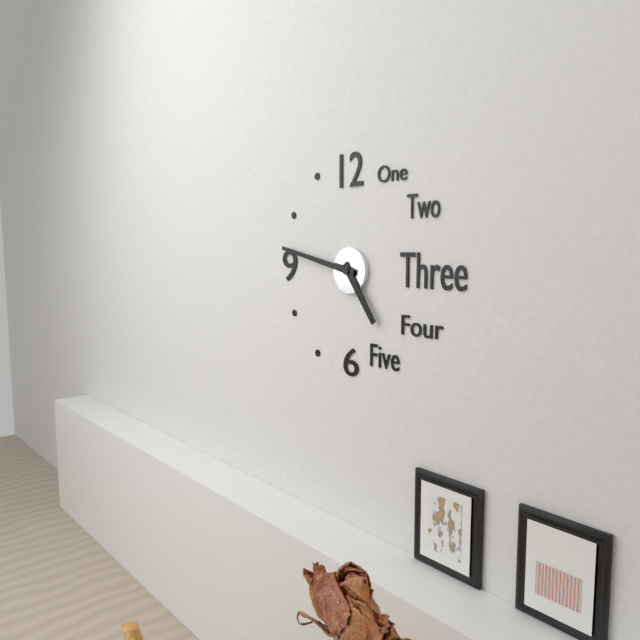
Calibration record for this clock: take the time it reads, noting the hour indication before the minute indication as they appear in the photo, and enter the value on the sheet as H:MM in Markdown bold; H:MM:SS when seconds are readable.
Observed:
**4:47**
